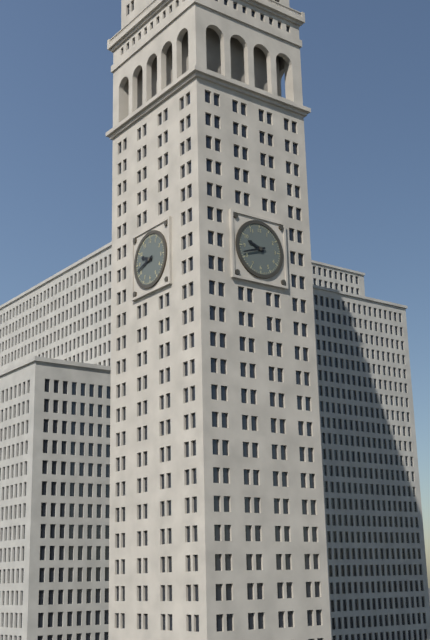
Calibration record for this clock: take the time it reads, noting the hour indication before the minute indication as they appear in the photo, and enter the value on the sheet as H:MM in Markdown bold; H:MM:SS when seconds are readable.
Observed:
**9:42**
